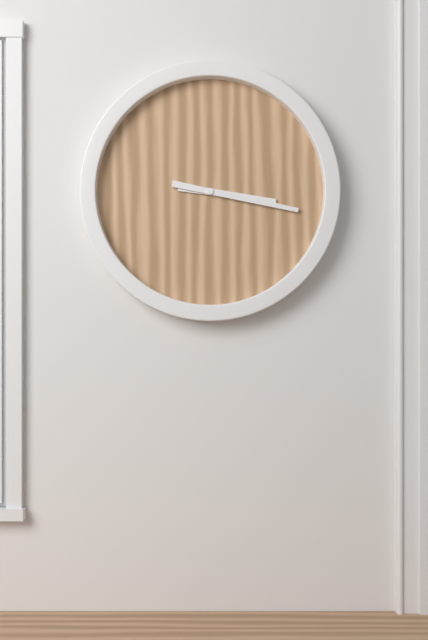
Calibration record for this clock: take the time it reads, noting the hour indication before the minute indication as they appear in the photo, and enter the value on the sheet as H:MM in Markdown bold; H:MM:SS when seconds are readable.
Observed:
**3:17**
